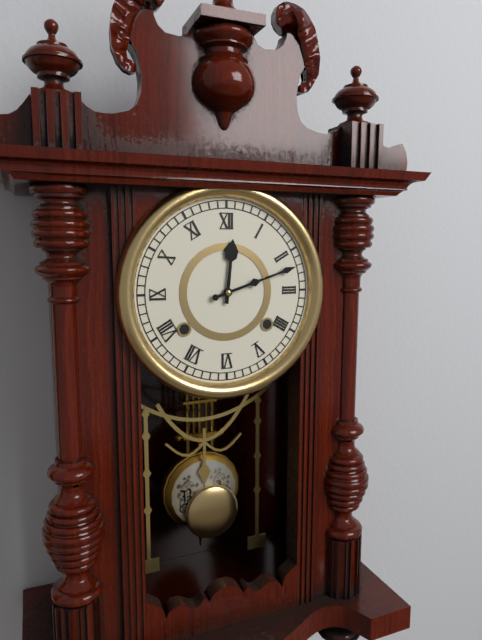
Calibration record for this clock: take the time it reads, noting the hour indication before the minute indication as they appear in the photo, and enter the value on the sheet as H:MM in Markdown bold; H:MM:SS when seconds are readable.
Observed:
**12:12**
